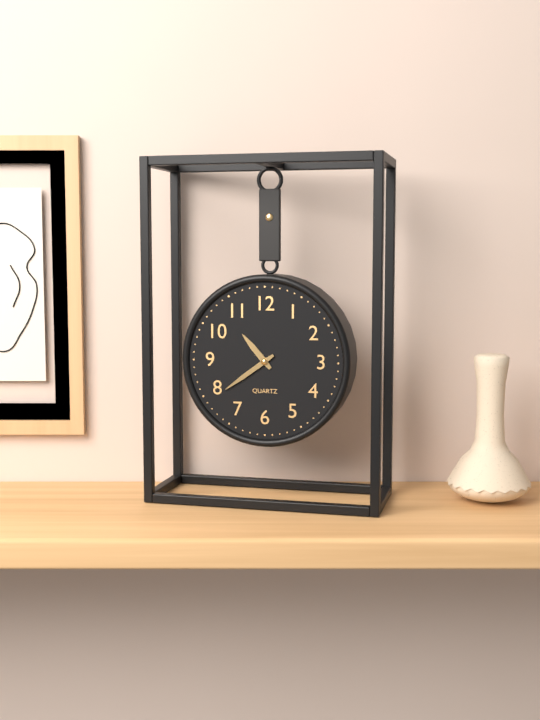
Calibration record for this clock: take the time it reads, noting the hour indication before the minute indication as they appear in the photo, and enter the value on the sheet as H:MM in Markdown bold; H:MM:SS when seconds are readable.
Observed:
**10:39**
